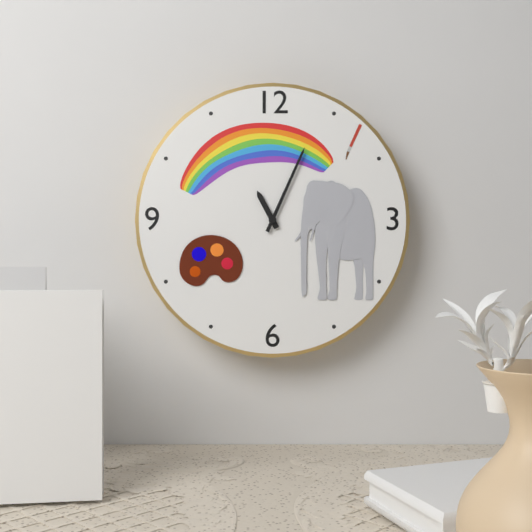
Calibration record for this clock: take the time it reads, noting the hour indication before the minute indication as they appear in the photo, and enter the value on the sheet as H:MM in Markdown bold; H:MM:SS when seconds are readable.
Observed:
**11:04**
